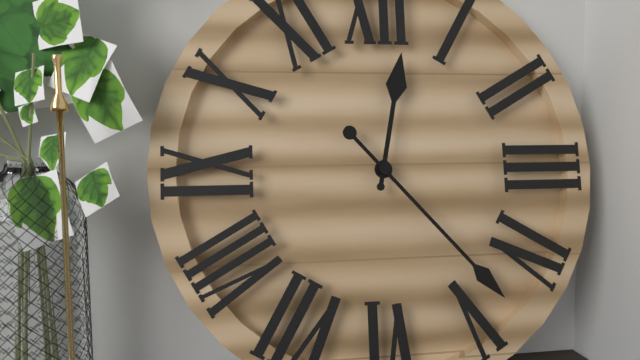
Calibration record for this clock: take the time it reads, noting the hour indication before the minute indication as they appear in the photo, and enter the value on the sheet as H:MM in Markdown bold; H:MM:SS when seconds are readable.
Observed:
**12:23**
